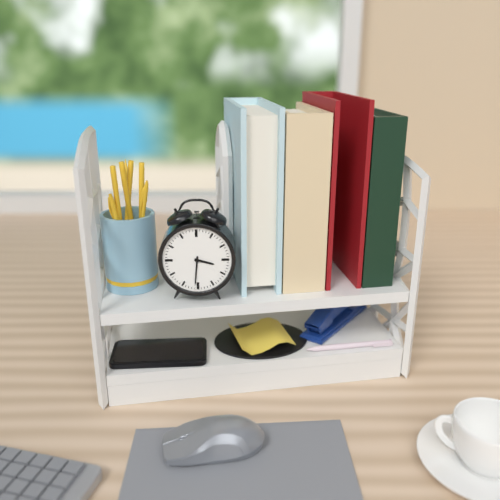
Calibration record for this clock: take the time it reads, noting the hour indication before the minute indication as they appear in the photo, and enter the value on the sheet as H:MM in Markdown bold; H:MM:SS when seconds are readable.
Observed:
**3:31**
